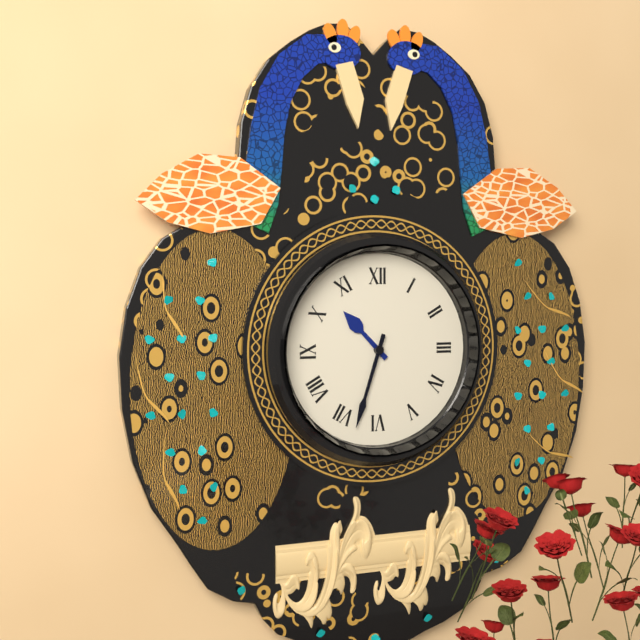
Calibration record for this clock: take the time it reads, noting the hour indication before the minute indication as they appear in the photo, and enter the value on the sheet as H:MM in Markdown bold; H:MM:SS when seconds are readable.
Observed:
**10:33**
